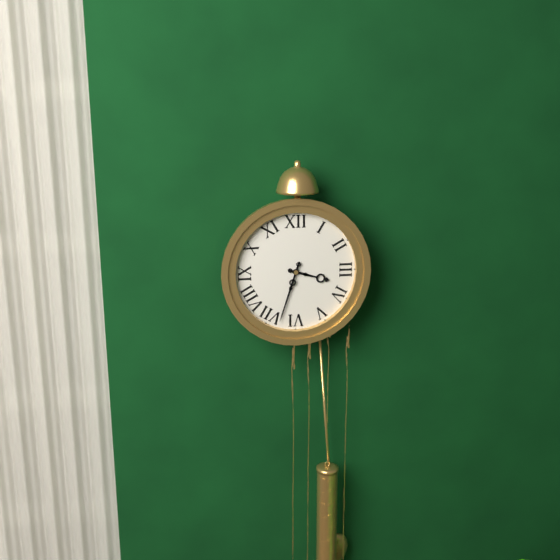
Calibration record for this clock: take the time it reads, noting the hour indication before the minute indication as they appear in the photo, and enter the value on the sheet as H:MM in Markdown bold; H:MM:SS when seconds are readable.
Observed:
**3:33**
